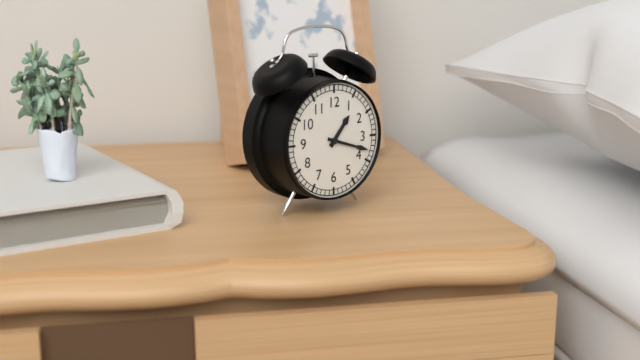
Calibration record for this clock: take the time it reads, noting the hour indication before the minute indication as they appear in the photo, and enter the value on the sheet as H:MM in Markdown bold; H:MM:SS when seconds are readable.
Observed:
**1:18**
